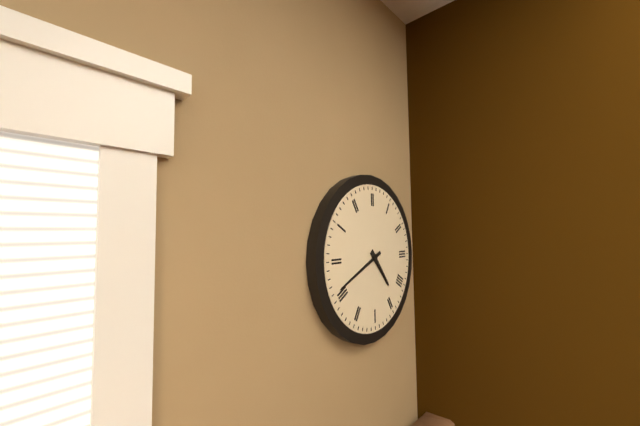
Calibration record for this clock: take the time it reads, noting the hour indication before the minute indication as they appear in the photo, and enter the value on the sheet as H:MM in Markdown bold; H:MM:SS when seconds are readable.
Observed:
**4:41**
